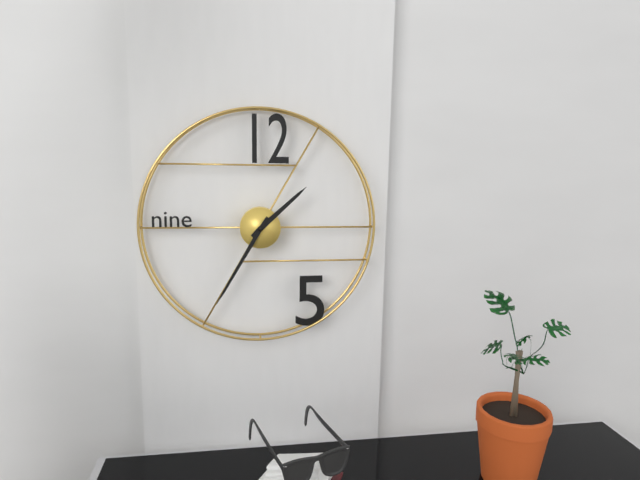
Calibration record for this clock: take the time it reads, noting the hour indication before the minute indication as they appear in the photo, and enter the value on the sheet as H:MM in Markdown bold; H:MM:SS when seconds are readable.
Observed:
**1:35**
